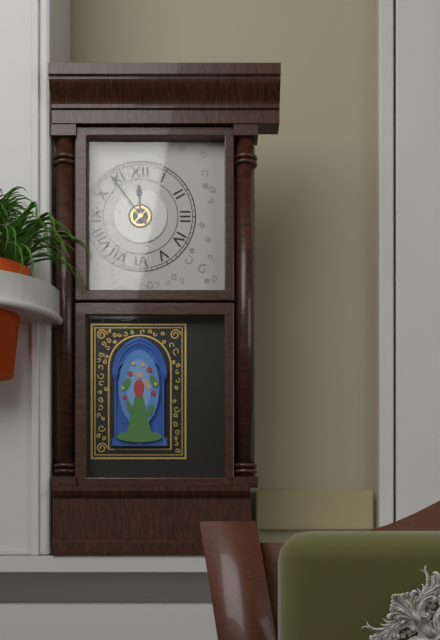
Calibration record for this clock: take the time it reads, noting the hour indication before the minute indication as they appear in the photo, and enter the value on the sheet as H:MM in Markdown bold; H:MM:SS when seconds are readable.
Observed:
**11:54**
